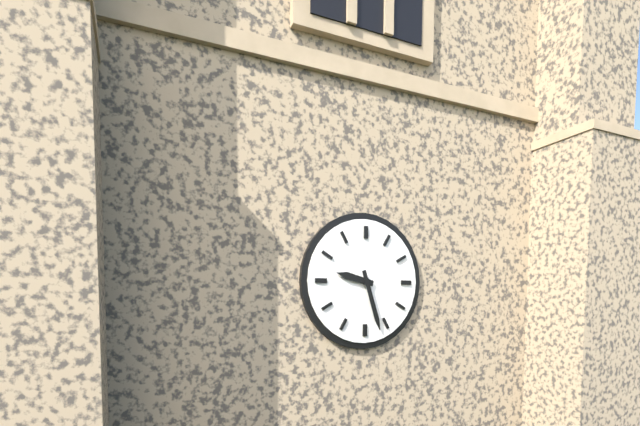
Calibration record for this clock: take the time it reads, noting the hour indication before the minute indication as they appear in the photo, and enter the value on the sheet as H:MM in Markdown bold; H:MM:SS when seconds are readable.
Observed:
**9:27**
